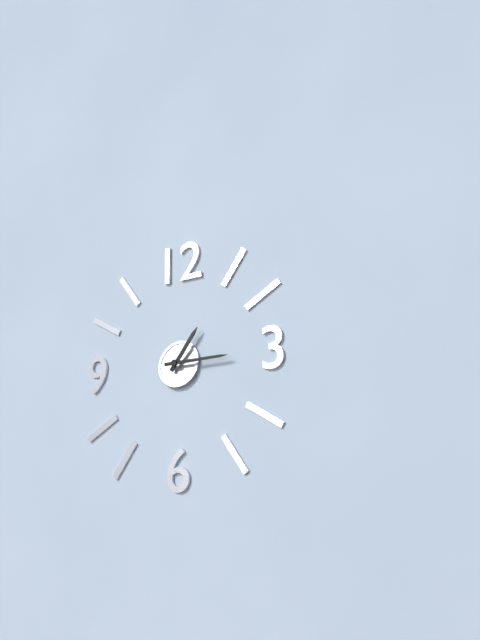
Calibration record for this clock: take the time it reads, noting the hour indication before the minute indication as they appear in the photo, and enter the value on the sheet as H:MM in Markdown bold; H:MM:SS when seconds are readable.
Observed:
**1:15**
